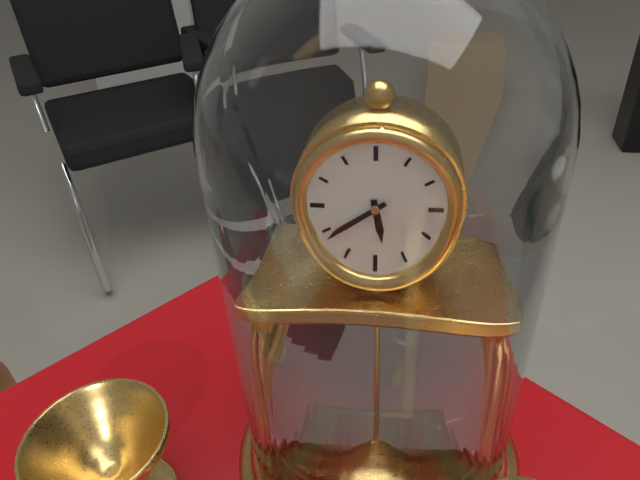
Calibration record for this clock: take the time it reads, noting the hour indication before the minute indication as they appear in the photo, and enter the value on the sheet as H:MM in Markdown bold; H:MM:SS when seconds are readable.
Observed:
**5:39**
